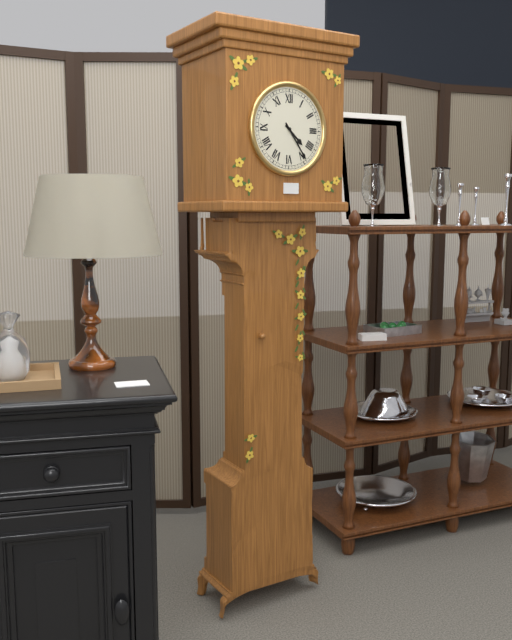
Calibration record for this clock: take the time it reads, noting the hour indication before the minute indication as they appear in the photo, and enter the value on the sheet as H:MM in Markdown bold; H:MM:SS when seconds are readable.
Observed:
**4:24**
